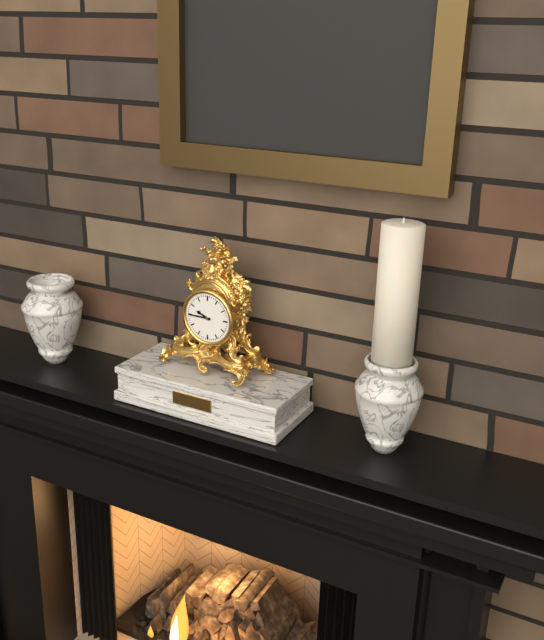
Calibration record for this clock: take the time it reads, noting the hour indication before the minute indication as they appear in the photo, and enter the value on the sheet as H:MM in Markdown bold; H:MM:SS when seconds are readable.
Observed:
**9:45**
